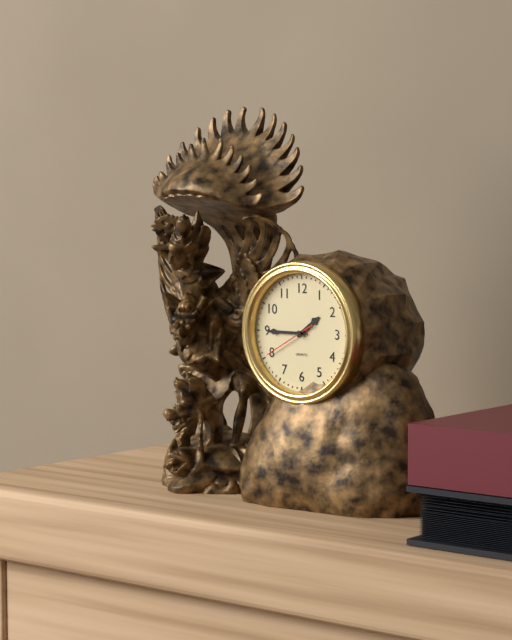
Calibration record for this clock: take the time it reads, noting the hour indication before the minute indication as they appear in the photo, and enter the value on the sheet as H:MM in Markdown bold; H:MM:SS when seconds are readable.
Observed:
**1:45**
